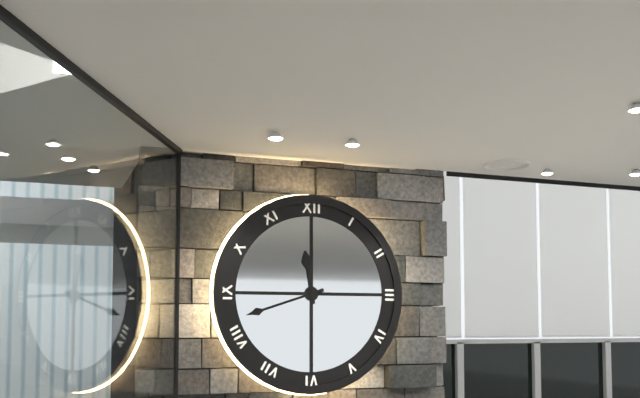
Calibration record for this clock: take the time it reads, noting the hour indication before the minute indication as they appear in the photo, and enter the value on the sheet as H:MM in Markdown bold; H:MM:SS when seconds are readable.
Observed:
**11:42**
